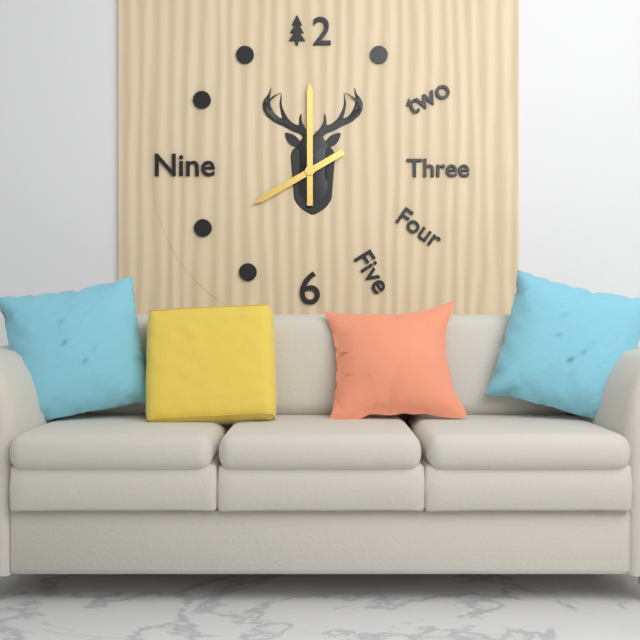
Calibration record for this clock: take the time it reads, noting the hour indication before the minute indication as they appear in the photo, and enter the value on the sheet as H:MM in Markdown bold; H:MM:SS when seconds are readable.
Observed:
**8:00**
